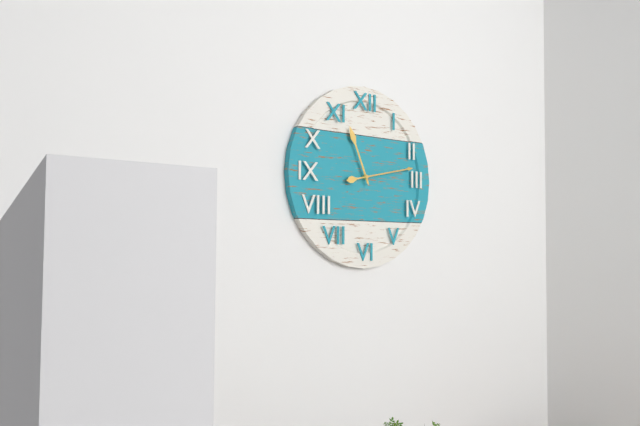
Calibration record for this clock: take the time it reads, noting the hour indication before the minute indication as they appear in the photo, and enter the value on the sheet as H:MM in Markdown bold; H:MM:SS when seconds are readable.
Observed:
**11:13**
